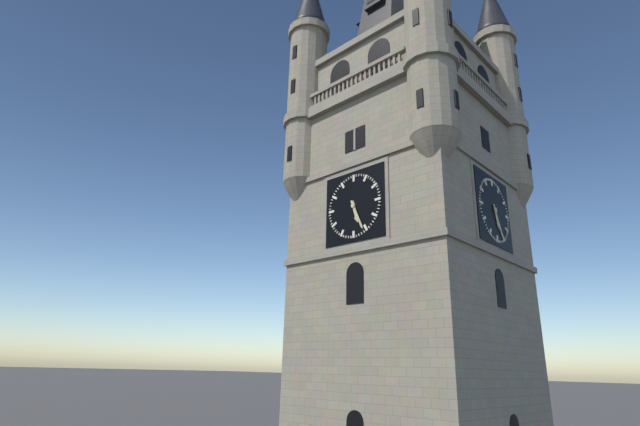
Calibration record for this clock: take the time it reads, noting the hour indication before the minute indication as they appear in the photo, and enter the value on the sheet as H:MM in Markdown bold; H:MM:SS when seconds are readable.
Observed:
**5:26**
